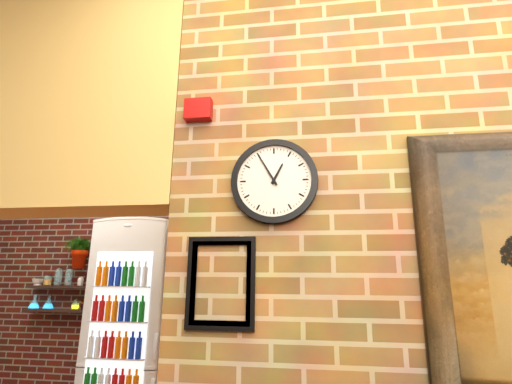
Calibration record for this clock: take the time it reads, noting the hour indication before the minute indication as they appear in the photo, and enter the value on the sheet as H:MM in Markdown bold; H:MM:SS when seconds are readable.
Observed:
**12:55**
